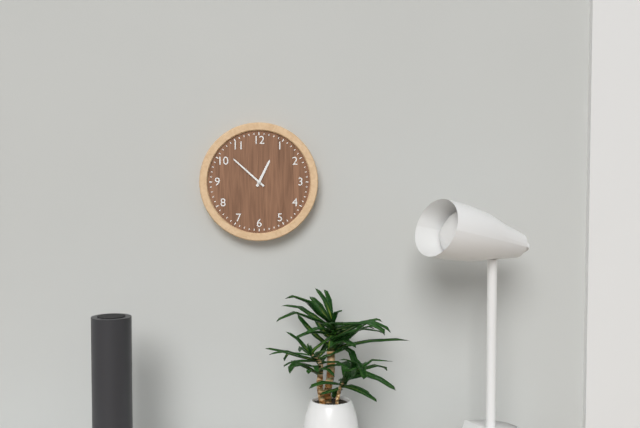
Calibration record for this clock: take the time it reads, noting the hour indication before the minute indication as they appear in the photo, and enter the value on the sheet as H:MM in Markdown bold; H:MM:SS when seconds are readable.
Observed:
**12:52**
